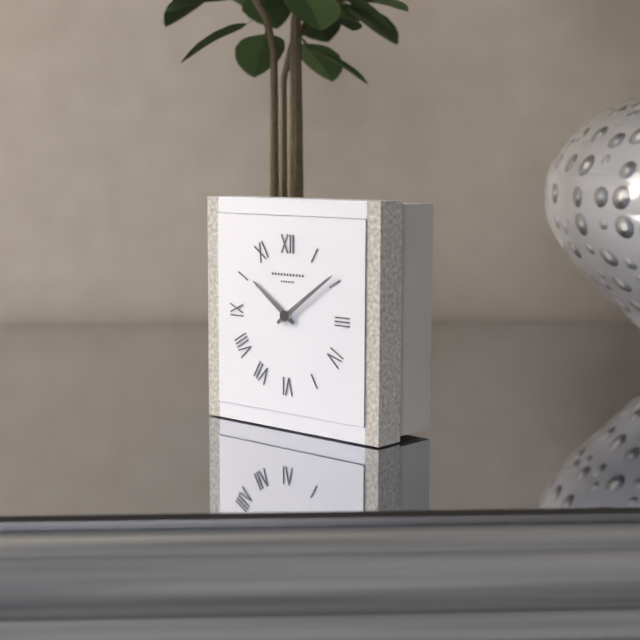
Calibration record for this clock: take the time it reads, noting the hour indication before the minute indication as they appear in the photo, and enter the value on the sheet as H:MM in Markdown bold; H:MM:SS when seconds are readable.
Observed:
**10:09**
